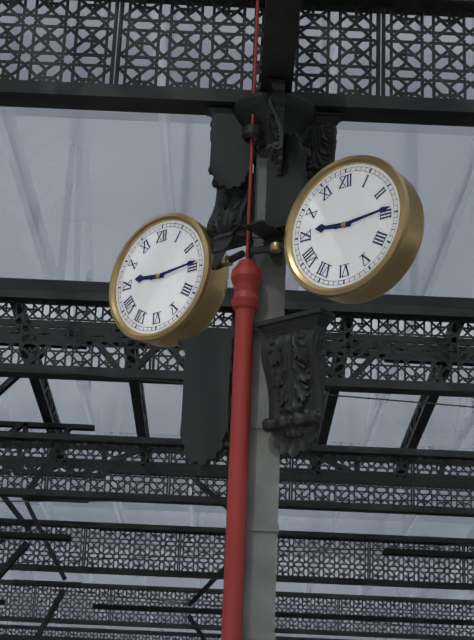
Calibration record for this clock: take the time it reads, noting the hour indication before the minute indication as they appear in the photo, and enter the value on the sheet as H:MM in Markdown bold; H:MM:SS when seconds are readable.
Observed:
**9:14**
